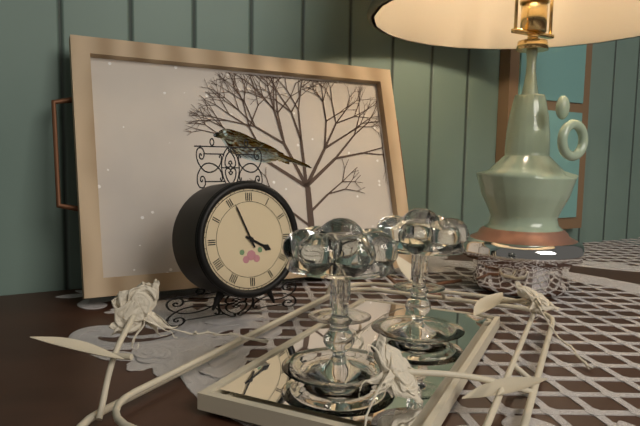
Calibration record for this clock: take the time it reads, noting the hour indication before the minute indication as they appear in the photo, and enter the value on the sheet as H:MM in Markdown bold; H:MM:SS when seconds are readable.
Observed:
**3:56**
